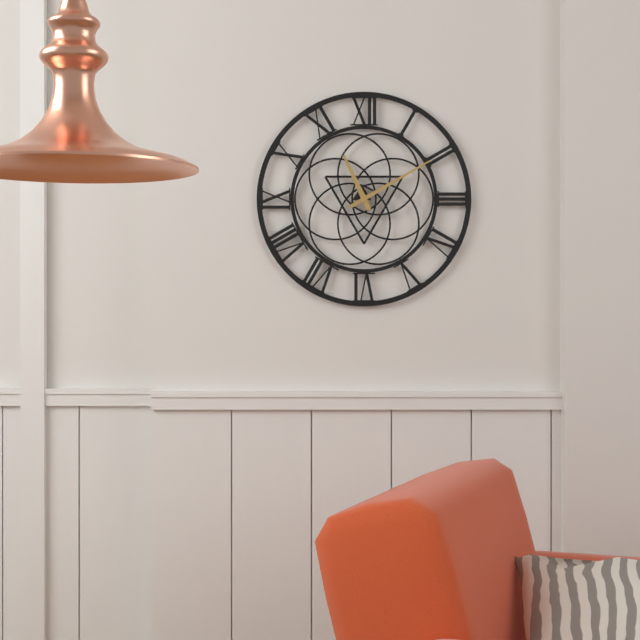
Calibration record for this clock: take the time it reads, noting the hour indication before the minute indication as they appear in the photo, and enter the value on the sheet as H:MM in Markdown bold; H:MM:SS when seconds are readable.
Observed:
**11:10**
